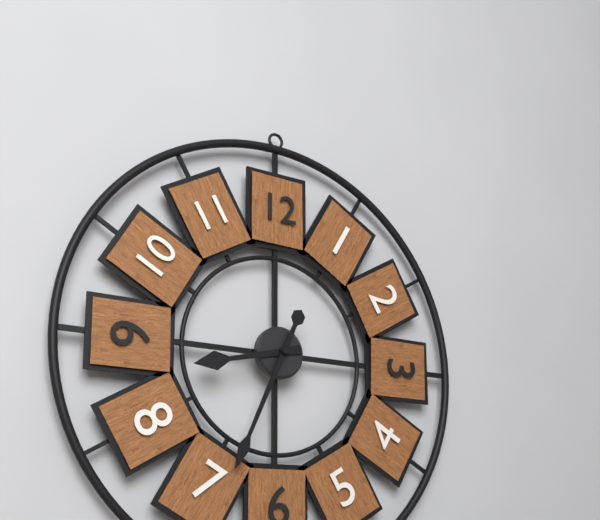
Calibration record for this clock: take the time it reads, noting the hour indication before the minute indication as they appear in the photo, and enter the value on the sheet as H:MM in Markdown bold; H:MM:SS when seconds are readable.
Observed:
**8:34**
